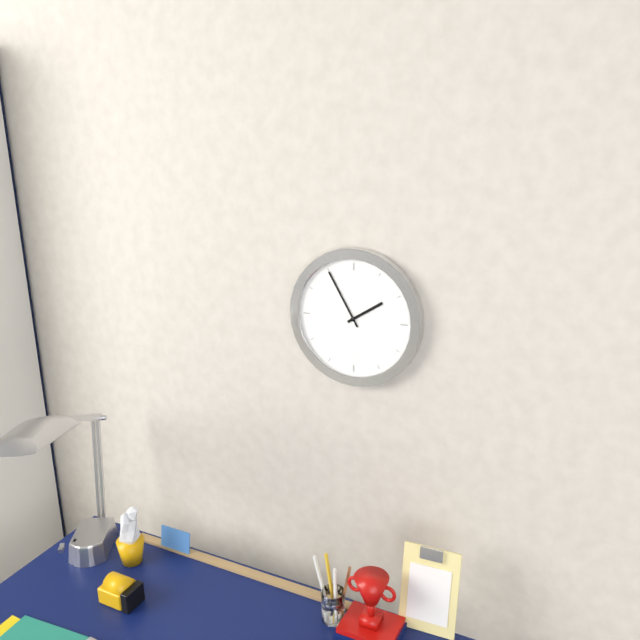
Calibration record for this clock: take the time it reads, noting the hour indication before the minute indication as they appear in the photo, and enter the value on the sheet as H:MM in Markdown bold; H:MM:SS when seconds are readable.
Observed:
**1:55**
